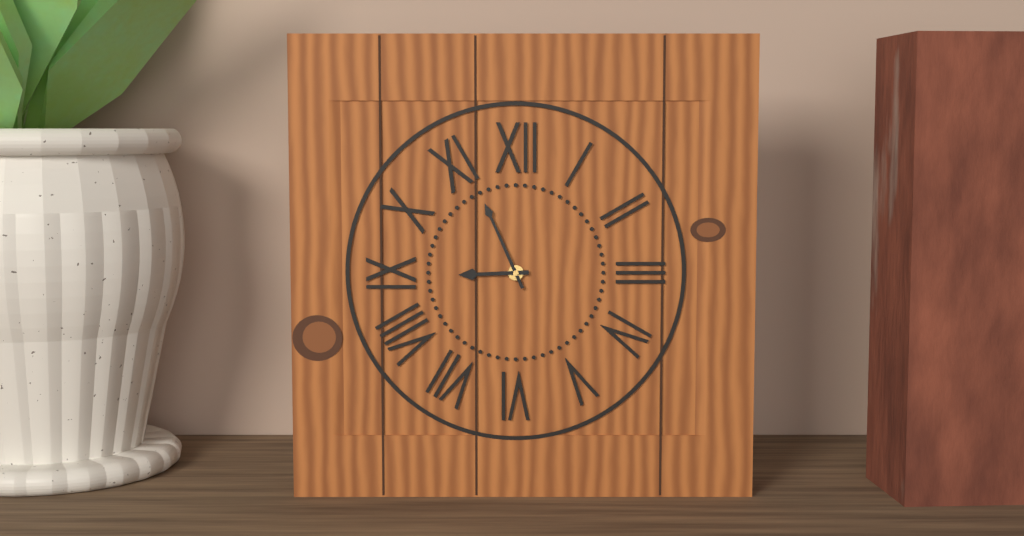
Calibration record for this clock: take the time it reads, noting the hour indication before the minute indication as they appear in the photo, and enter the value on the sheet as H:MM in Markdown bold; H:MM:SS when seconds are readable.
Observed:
**8:56**
